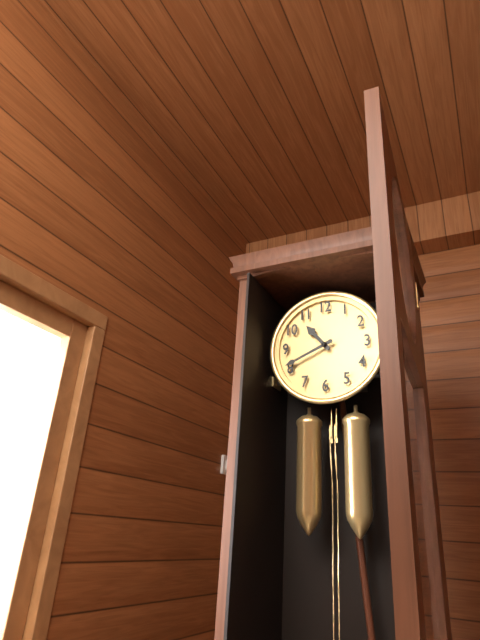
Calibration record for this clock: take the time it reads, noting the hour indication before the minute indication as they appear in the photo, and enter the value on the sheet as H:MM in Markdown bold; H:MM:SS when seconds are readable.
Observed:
**10:41**
